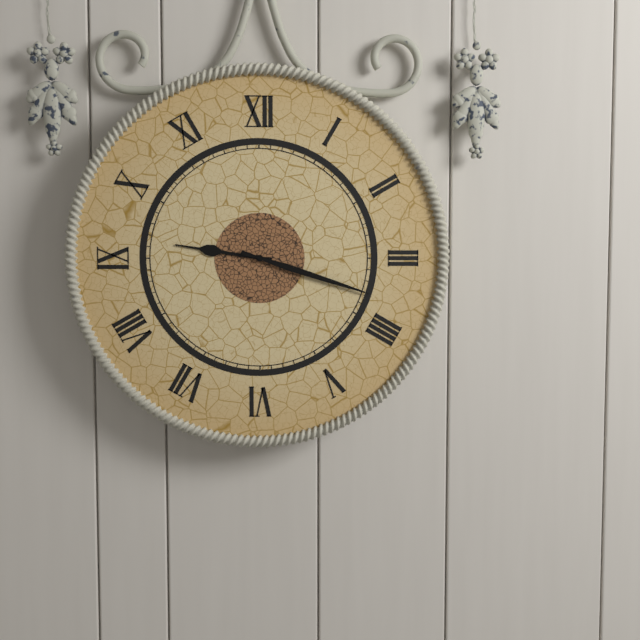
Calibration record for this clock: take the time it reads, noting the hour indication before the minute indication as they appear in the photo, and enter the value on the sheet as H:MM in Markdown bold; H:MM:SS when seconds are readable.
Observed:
**9:18**
